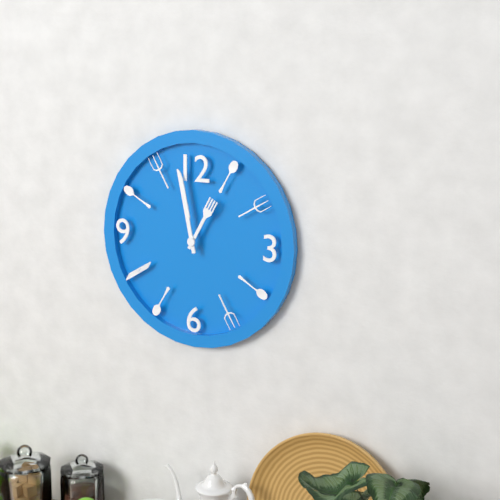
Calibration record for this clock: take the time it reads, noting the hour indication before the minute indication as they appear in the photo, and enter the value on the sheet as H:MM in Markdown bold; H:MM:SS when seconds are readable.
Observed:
**12:58**
